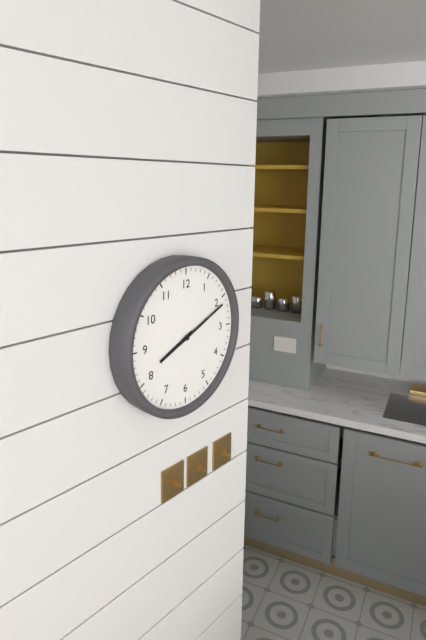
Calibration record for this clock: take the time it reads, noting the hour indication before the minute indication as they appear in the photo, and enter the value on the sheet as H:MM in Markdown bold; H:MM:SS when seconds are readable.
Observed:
**8:11**
